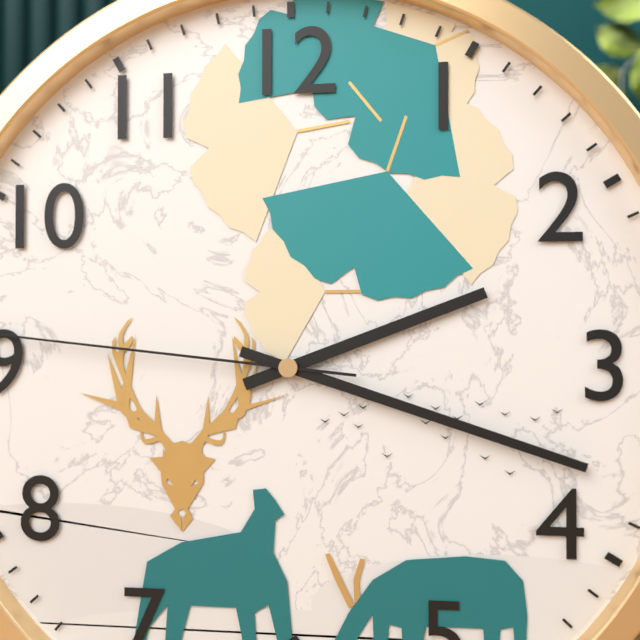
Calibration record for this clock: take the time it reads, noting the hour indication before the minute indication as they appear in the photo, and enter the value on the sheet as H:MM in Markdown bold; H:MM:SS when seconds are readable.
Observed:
**2:18**
